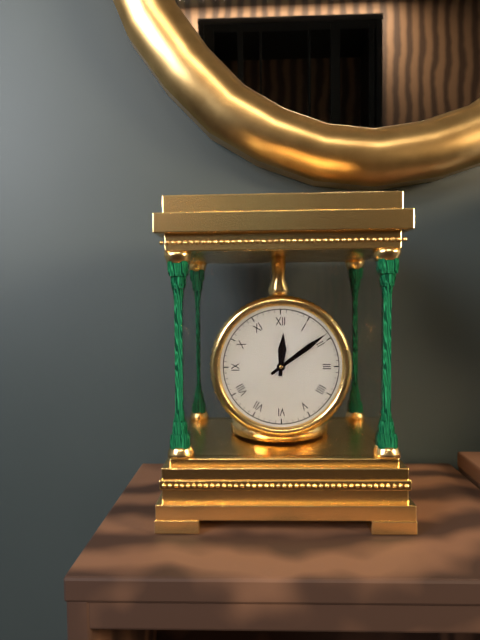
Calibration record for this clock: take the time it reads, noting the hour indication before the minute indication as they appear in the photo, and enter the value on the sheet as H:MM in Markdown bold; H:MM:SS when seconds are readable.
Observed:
**12:09**
